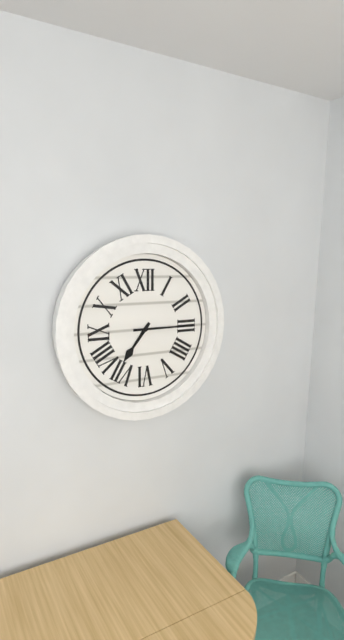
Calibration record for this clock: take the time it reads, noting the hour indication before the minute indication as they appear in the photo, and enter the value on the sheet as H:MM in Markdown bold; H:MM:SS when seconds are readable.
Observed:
**7:15**
